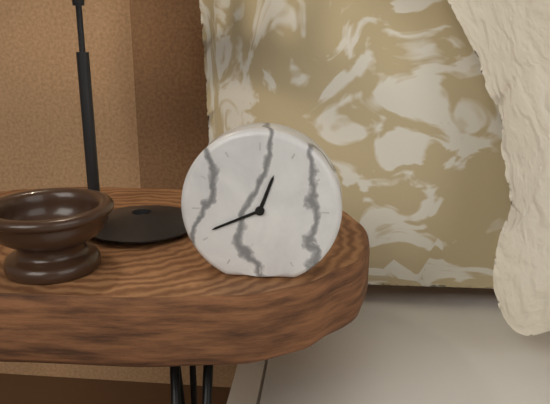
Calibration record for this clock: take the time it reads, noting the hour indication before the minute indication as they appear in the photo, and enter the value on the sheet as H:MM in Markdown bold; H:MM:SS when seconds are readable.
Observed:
**12:41**
